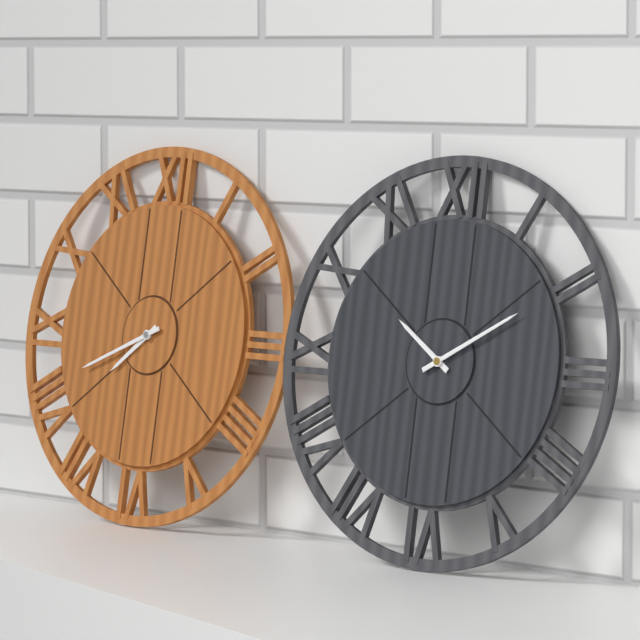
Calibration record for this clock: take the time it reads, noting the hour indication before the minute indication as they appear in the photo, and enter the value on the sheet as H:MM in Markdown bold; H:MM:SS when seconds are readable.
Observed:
**7:41**
